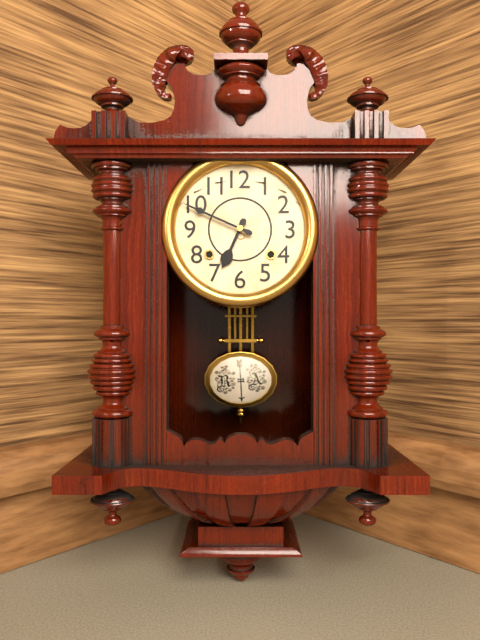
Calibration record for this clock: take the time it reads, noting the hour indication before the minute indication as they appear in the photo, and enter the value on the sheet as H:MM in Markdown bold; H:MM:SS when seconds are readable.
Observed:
**6:49**
